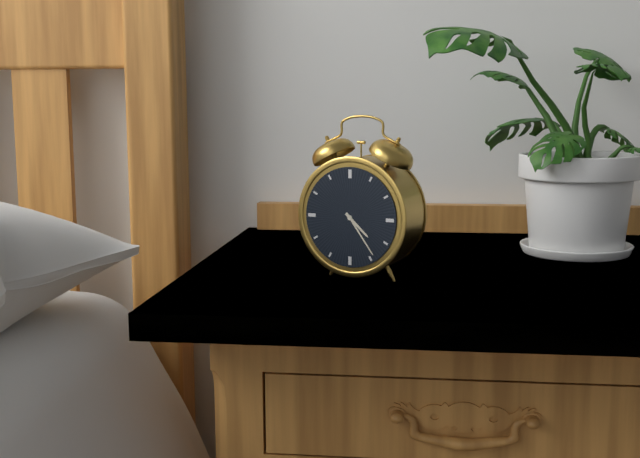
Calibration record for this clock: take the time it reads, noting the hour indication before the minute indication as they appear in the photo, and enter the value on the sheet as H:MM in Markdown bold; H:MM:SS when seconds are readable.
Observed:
**4:24**
